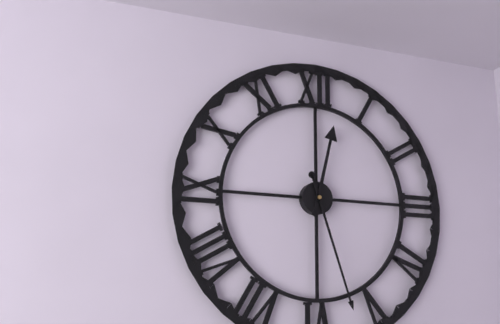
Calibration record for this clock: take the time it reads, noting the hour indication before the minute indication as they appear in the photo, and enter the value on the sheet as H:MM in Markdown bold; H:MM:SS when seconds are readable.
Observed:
**12:27**
